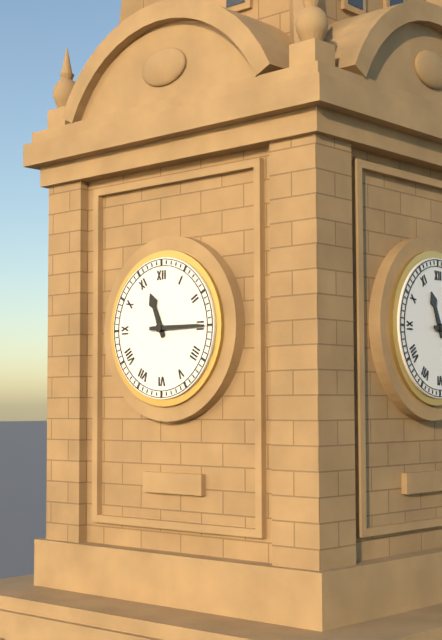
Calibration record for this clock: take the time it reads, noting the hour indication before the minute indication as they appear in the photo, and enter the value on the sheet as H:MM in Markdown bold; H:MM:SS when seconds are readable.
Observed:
**11:15**
